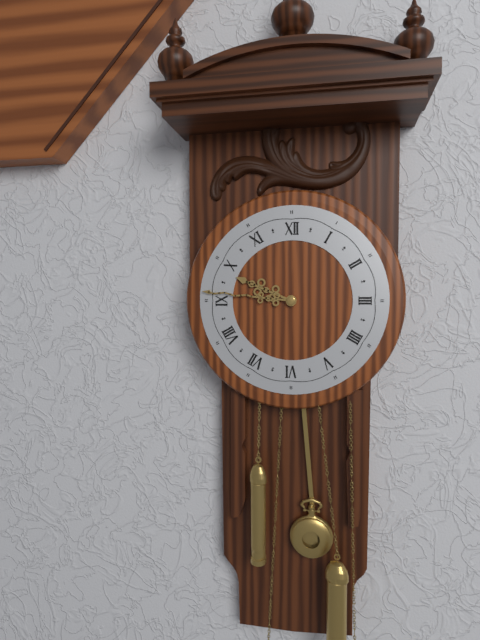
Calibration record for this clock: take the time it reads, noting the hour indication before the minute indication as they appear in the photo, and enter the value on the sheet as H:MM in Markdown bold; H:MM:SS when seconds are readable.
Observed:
**9:46**
